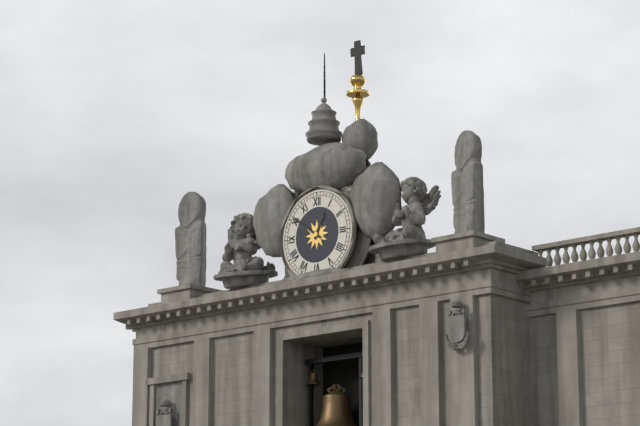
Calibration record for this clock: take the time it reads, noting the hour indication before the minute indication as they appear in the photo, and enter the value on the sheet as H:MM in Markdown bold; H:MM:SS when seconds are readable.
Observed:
**12:51**
